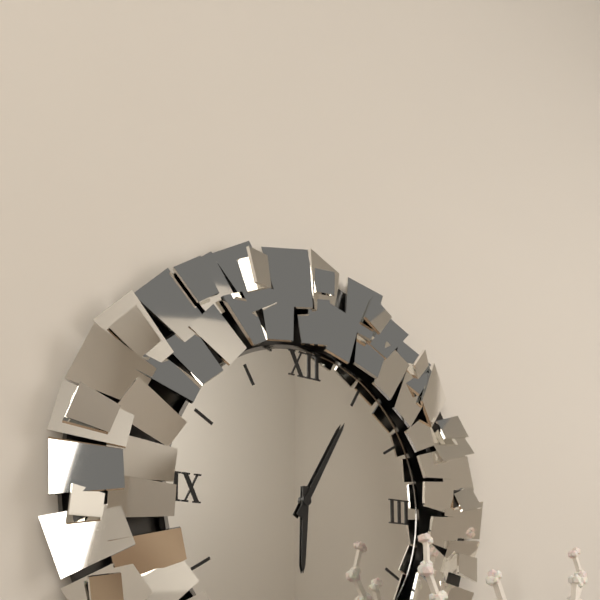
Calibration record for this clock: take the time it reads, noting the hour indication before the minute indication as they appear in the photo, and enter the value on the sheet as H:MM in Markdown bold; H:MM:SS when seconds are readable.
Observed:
**6:05**
